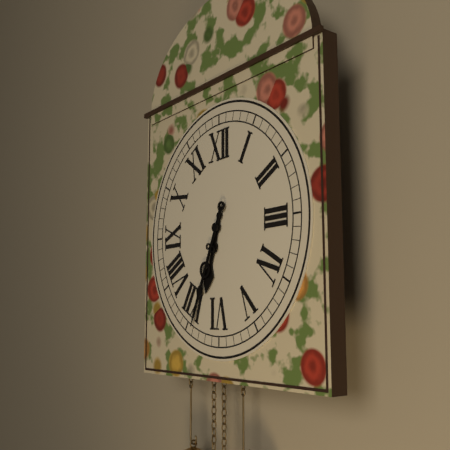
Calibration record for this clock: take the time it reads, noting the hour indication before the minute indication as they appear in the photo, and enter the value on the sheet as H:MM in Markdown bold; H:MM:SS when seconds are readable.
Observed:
**6:34**
